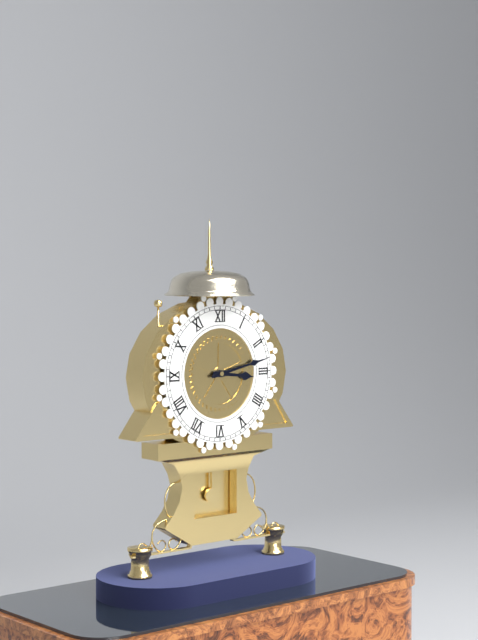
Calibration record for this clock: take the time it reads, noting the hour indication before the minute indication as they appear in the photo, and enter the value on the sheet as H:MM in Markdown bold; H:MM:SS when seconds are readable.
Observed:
**3:13**
